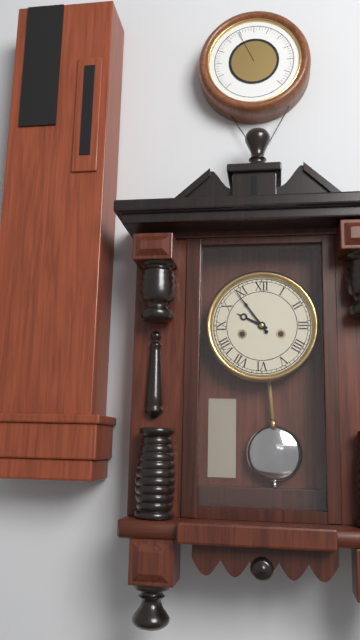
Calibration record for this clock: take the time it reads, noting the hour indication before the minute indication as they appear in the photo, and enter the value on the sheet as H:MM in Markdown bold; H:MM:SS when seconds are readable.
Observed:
**9:54**
